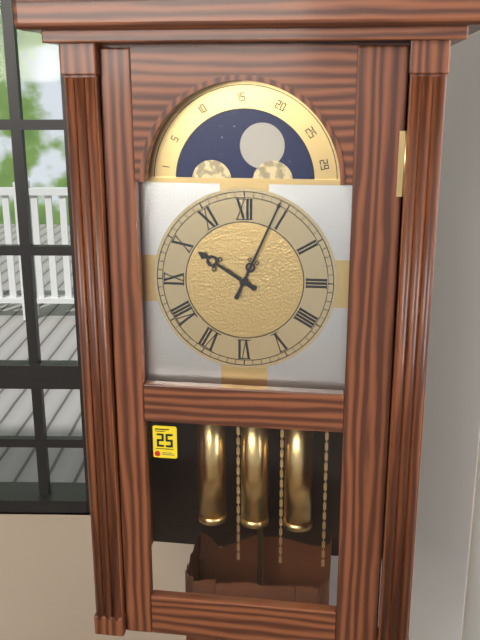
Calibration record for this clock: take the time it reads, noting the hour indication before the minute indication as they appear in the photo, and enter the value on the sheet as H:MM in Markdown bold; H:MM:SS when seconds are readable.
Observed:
**10:04**
